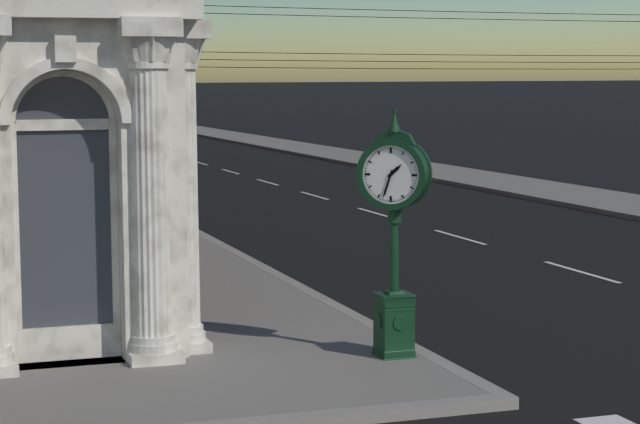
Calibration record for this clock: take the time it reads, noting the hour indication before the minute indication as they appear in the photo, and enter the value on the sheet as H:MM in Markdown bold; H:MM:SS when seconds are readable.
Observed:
**1:33**
